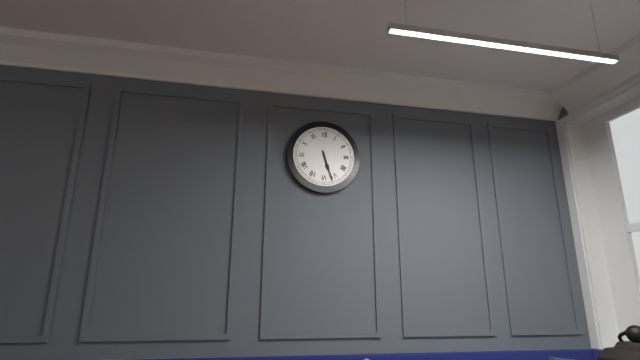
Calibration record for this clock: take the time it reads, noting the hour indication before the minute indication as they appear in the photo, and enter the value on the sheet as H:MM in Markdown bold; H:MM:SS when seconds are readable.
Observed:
**5:27**
